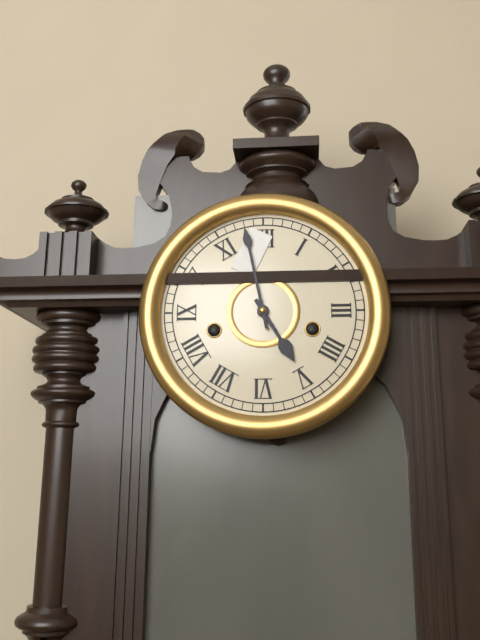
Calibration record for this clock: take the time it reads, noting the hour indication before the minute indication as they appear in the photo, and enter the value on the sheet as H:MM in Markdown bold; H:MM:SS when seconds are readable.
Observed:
**4:58**
